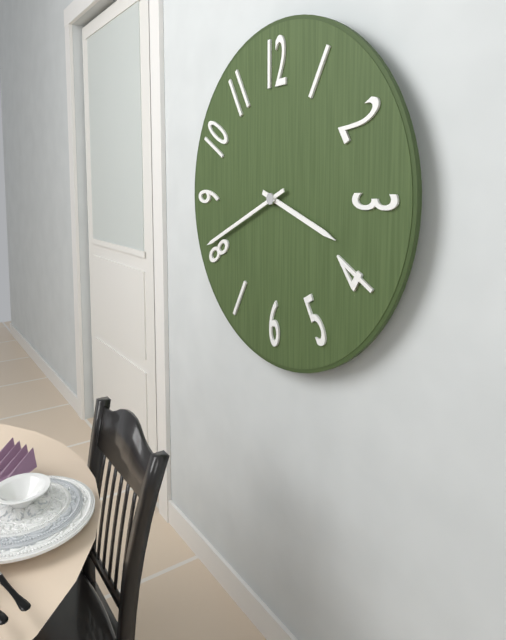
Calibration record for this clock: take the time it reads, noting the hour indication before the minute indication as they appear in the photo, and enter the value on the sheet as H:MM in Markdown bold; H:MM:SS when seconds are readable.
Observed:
**3:41**
